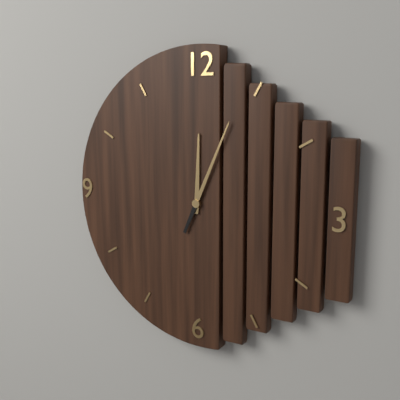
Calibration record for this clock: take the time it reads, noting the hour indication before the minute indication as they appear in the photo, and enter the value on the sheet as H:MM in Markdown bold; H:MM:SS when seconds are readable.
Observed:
**12:04**
